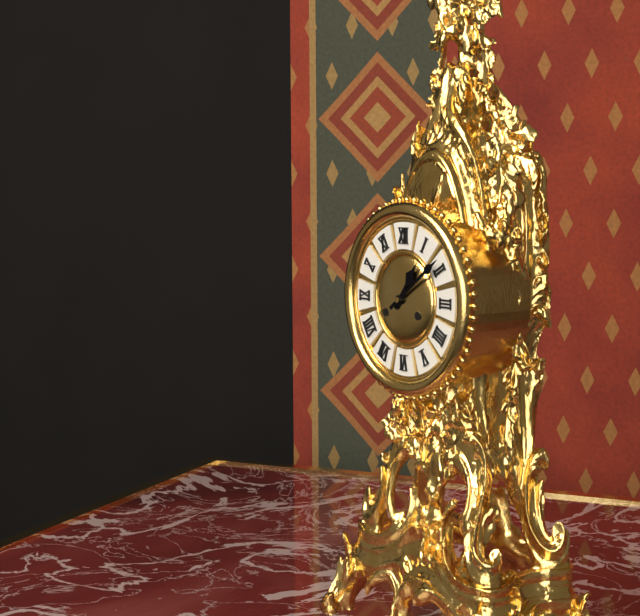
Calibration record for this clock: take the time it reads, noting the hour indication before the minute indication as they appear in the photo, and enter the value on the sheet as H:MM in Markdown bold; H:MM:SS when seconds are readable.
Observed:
**1:09**
